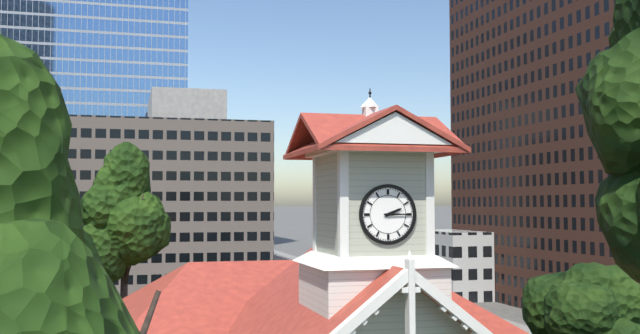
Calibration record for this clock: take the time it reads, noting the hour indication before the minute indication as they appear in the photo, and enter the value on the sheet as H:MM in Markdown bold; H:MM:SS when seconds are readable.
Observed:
**2:15**
